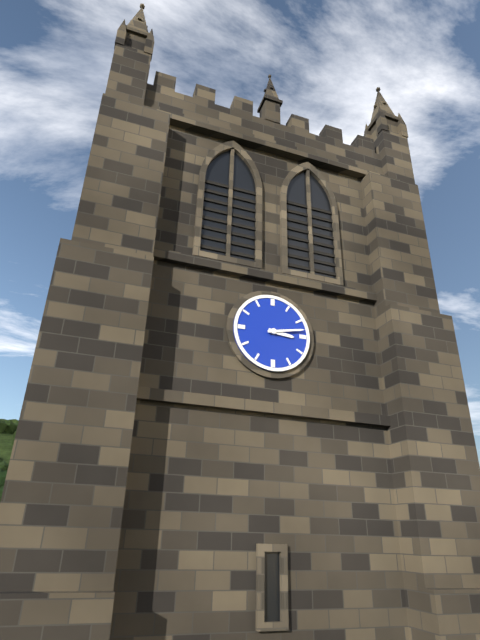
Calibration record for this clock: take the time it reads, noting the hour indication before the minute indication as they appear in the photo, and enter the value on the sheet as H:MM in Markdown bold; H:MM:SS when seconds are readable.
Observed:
**3:13**
